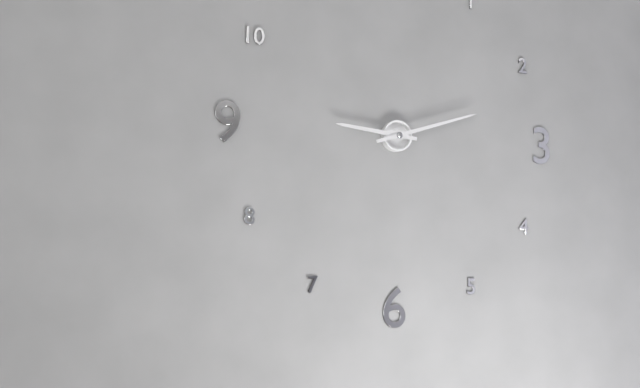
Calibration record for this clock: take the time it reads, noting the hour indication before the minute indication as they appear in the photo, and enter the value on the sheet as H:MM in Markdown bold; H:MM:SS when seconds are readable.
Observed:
**9:12**
